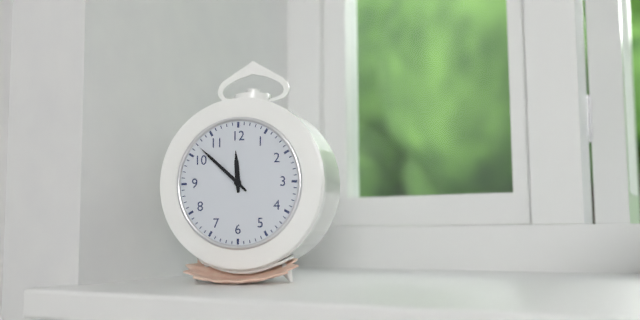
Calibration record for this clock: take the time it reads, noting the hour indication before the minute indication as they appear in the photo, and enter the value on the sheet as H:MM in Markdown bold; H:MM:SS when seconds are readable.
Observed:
**11:52**
